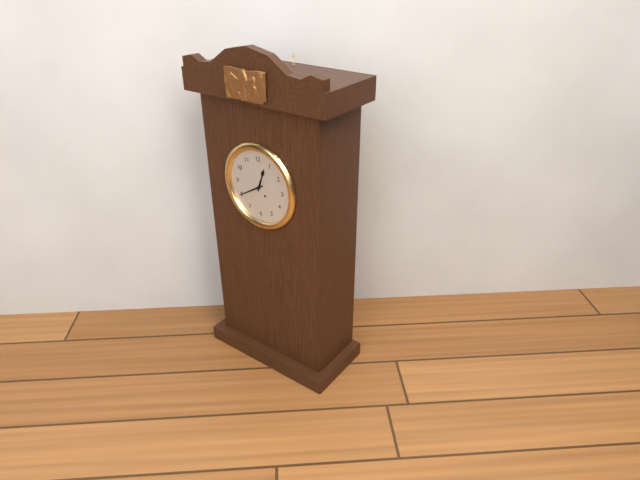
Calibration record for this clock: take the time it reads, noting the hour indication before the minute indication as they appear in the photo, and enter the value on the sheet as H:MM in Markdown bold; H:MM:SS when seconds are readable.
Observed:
**12:40**
